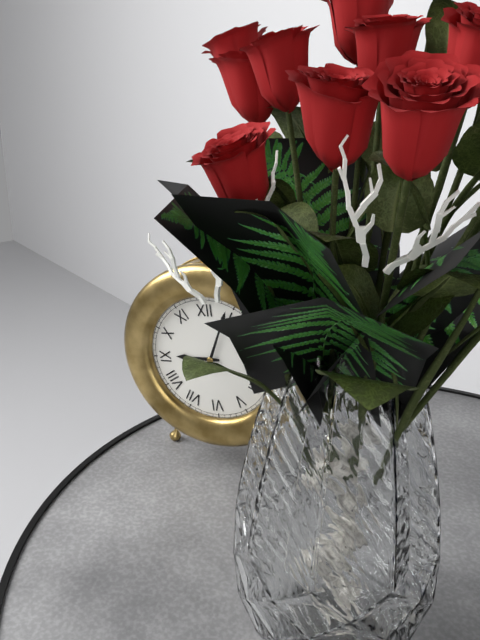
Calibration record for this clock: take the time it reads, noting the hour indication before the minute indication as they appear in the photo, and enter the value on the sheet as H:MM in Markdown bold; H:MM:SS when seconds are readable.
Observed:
**9:04**
